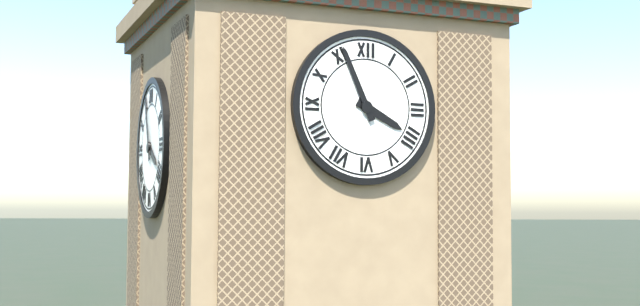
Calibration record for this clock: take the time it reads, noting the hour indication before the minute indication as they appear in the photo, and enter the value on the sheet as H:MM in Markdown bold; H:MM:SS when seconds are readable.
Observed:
**3:56**
